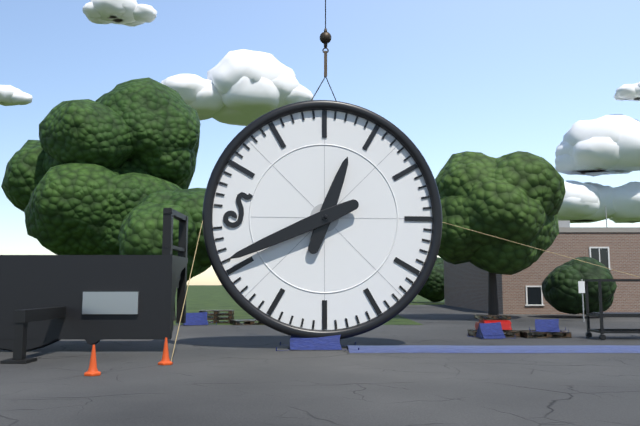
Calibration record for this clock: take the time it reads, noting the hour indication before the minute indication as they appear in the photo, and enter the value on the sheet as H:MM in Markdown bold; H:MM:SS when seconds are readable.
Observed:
**12:41**
